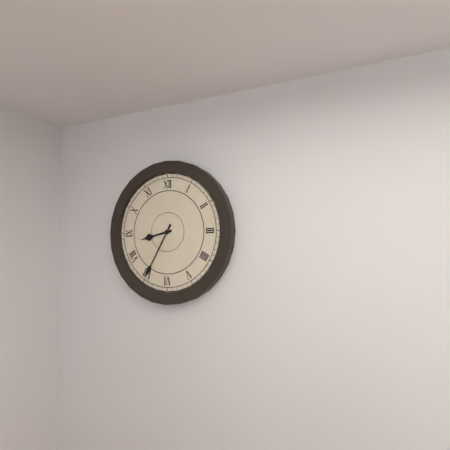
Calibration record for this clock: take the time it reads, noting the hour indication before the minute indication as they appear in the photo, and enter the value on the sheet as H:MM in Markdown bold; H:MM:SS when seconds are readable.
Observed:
**8:35**
